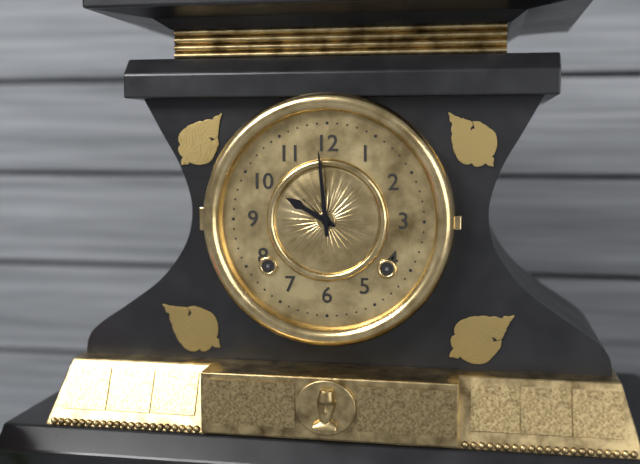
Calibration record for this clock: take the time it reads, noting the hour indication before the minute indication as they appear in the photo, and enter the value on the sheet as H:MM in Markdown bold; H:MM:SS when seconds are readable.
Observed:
**9:59**
